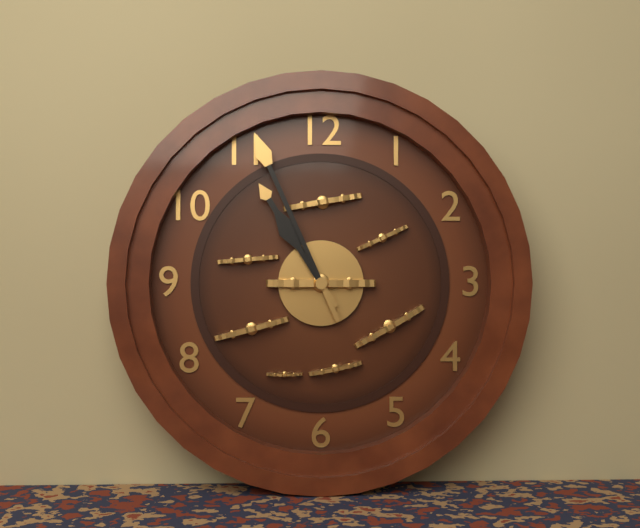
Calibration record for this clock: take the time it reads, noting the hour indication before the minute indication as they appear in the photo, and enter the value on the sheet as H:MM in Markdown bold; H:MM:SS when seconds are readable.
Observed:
**10:56**
